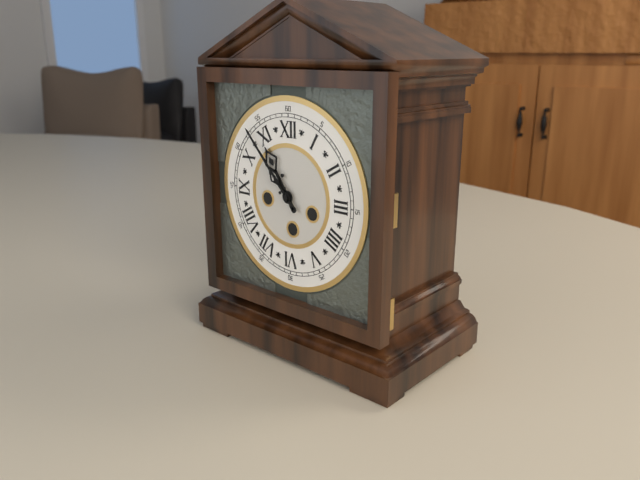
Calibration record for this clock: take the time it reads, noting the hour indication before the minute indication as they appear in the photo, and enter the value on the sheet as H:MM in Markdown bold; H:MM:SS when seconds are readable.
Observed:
**10:53**
